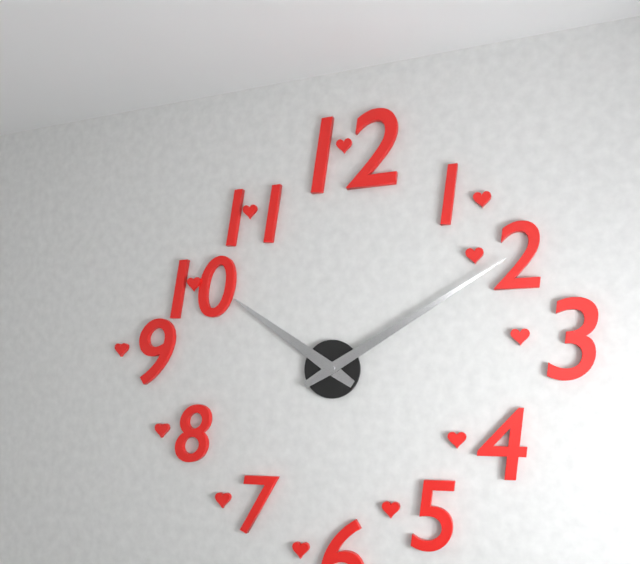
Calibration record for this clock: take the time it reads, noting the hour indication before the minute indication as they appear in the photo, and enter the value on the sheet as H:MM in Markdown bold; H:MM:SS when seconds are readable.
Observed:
**10:10**
